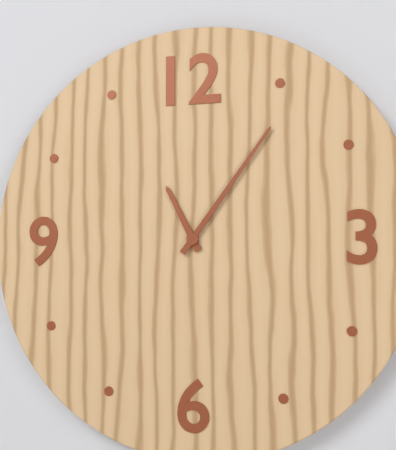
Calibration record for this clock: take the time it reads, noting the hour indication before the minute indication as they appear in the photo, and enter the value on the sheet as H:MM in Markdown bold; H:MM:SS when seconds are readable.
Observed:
**11:06**
